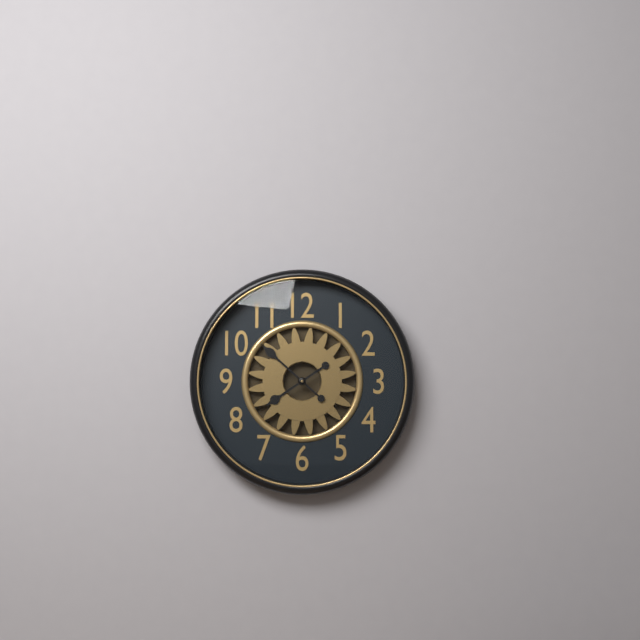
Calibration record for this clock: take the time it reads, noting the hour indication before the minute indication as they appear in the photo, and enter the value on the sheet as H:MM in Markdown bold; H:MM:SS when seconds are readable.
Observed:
**7:52**
